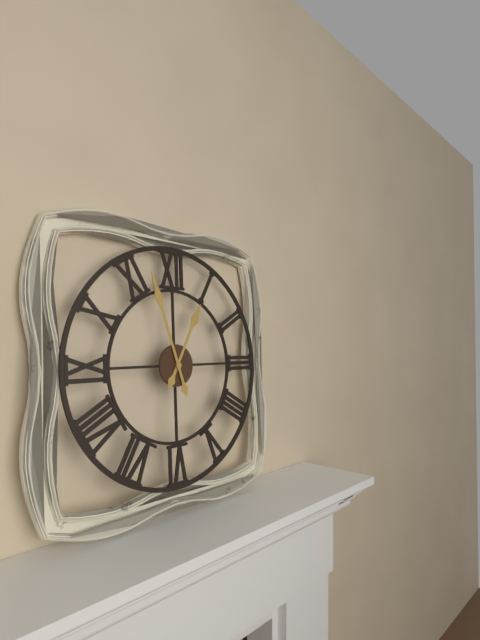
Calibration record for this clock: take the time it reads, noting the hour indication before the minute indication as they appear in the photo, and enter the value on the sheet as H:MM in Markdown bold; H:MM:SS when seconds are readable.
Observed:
**12:57**
